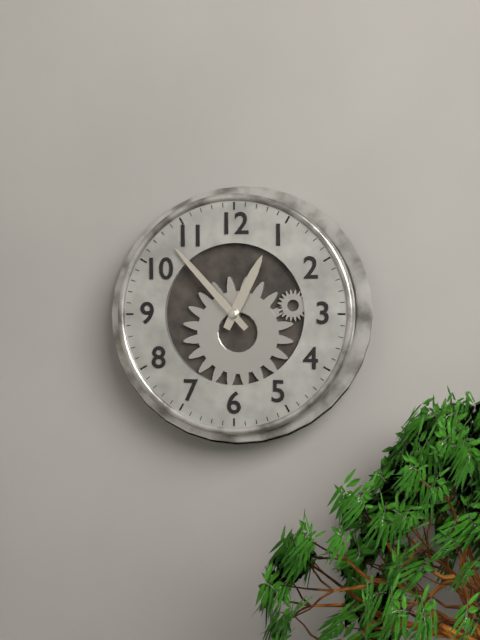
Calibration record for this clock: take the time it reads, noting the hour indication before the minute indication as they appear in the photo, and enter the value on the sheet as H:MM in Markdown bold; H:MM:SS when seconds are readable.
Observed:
**12:53**
